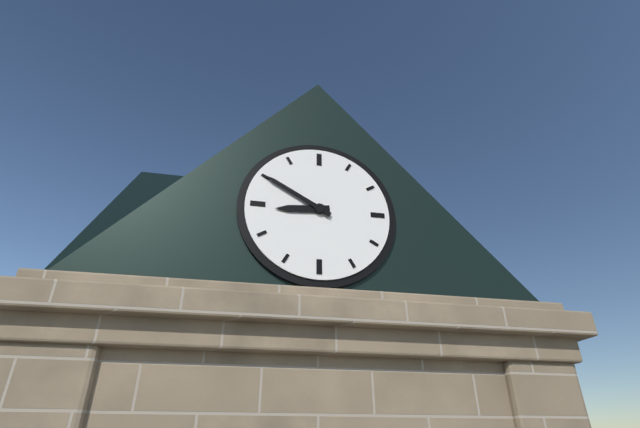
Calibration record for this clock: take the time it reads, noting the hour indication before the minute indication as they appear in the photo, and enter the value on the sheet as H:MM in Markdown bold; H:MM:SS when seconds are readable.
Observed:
**8:50**
